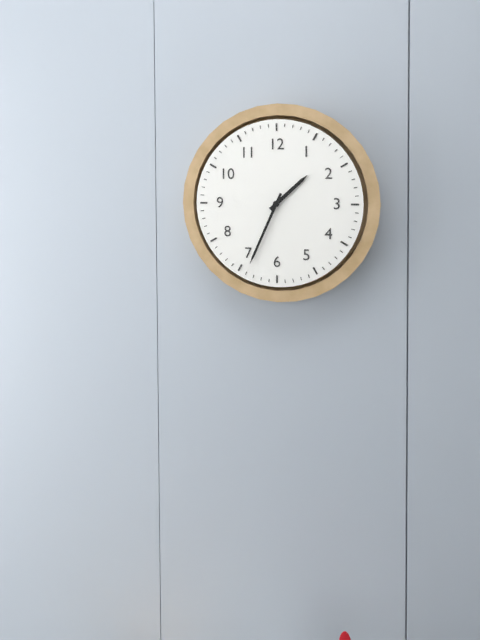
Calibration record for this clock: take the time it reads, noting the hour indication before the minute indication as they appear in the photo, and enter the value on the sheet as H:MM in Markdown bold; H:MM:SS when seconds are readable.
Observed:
**1:34**
